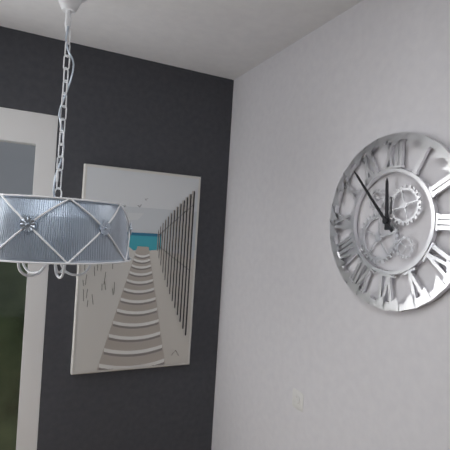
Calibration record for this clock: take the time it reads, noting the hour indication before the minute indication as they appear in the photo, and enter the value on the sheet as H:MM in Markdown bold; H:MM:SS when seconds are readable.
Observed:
**11:53**
